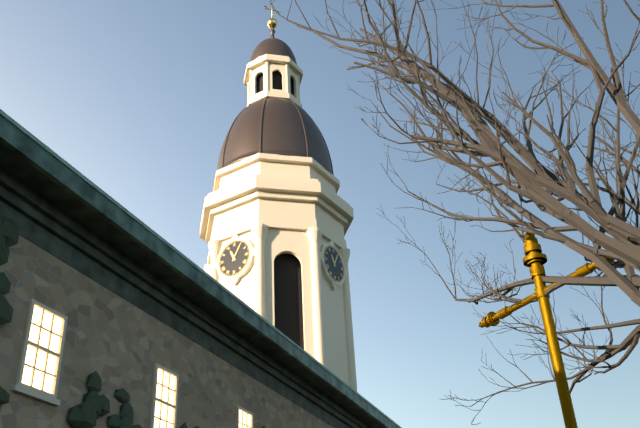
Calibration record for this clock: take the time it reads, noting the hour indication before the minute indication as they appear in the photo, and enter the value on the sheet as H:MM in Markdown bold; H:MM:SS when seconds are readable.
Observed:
**11:05**
